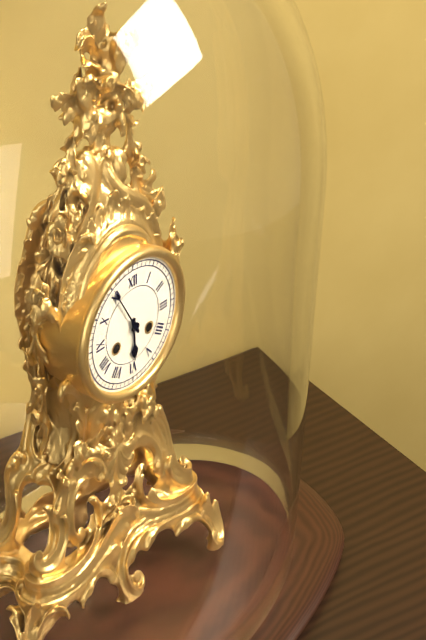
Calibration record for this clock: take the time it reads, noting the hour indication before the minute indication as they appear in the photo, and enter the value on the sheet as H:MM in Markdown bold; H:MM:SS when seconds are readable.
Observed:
**5:55**
